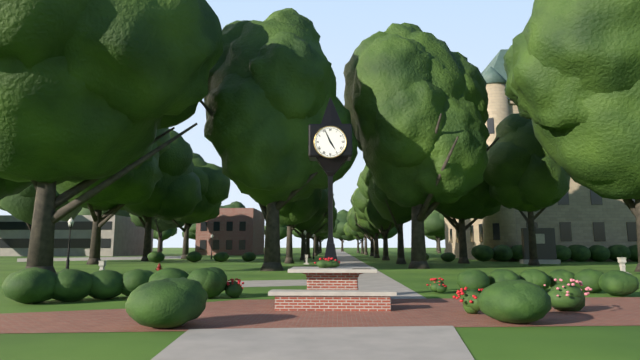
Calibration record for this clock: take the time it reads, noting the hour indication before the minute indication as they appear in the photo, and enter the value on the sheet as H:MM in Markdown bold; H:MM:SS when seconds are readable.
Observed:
**4:56**
